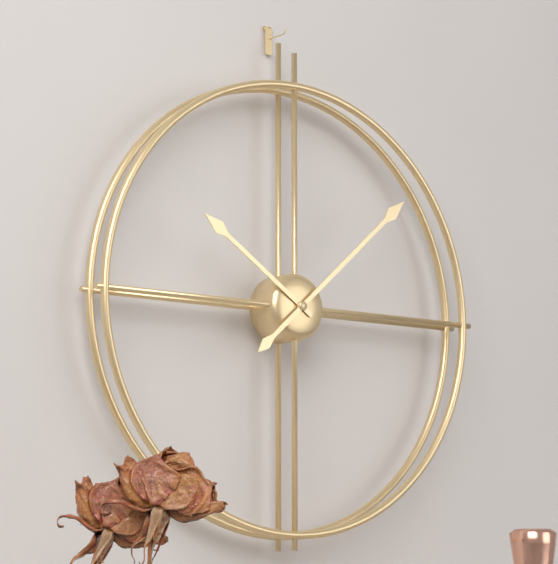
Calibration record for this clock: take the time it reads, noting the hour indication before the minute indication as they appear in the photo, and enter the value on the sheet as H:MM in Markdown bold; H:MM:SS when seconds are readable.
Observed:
**10:08**
